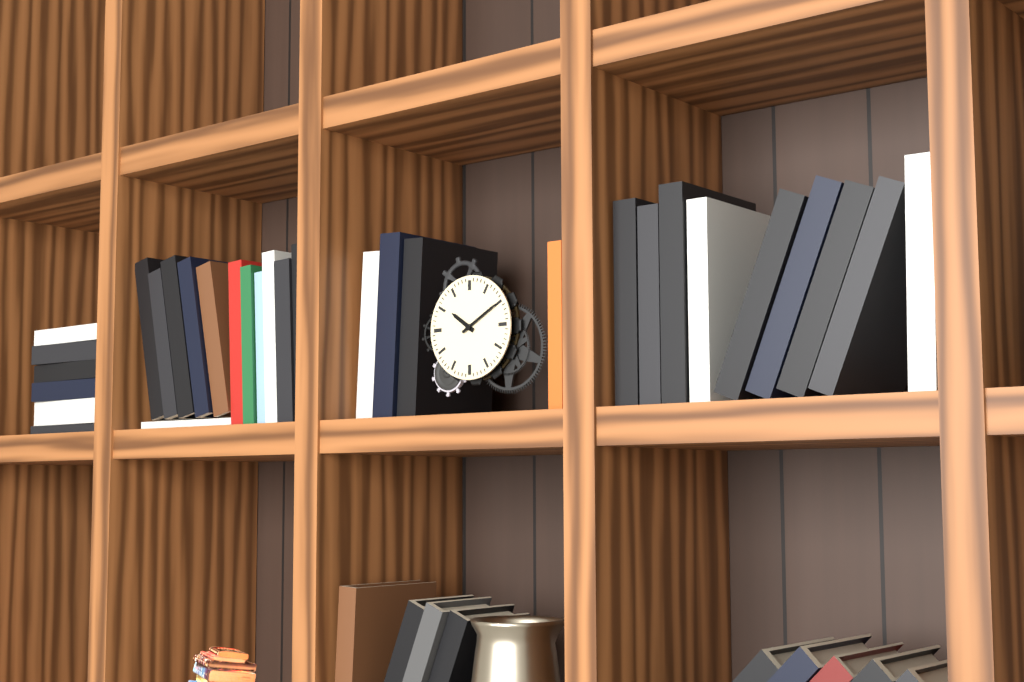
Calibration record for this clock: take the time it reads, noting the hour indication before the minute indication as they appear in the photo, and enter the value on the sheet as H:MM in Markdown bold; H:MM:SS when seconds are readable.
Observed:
**10:10**
